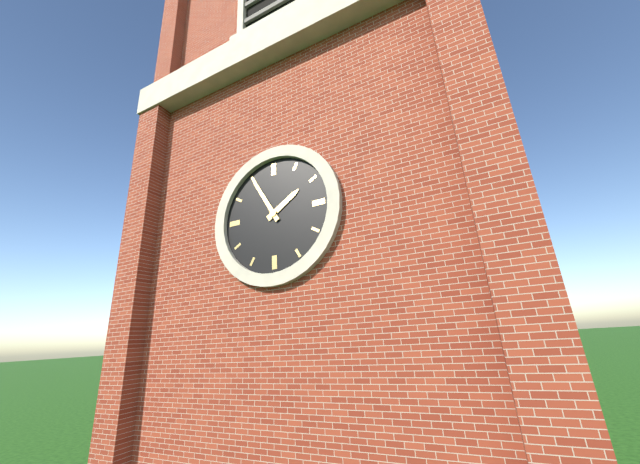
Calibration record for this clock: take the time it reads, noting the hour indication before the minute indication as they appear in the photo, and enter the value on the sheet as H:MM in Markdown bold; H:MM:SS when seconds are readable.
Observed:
**1:55**
